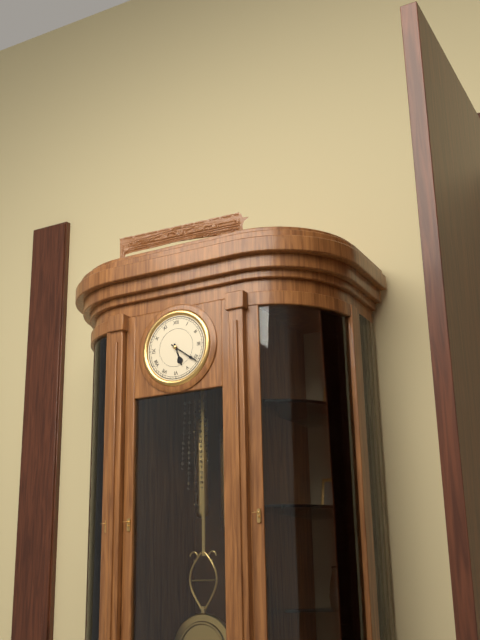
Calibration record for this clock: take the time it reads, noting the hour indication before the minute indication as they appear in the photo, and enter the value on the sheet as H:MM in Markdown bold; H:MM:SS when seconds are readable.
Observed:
**5:21**
